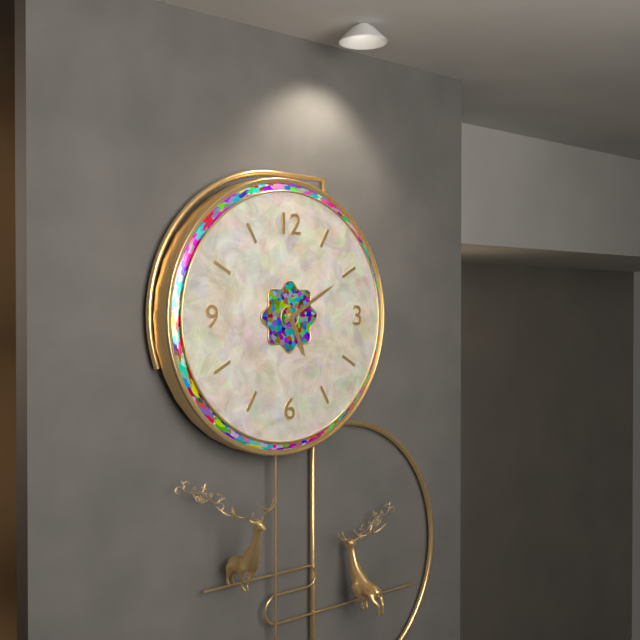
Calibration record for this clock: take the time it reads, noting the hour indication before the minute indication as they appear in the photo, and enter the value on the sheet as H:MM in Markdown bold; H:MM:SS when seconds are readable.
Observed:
**5:10**
